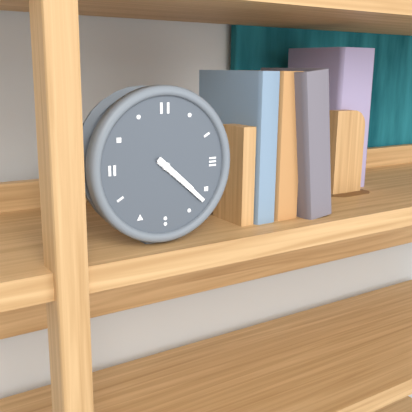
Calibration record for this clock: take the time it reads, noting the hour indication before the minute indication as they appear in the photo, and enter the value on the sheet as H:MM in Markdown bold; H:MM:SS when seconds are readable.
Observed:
**4:22**
